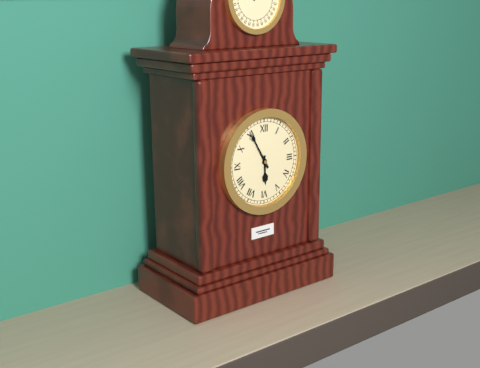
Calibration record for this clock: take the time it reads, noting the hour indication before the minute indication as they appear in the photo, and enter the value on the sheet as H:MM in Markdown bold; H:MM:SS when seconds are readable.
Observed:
**5:55**
